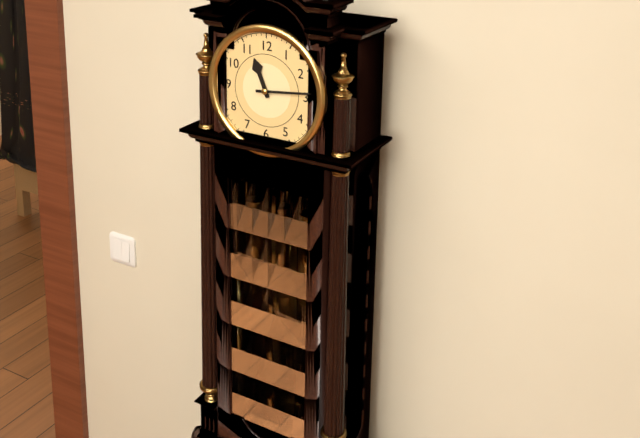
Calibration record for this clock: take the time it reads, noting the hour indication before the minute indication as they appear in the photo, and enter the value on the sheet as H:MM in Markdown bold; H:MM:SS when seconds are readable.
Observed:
**11:14**
